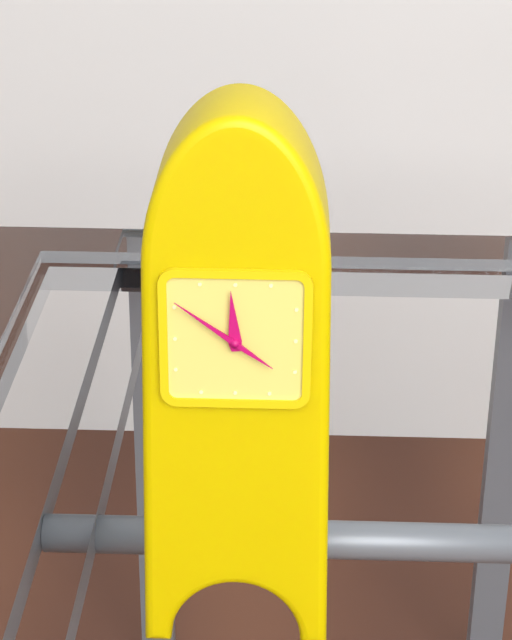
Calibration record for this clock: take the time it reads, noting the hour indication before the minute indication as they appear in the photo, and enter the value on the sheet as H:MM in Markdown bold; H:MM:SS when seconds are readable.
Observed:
**11:51**
